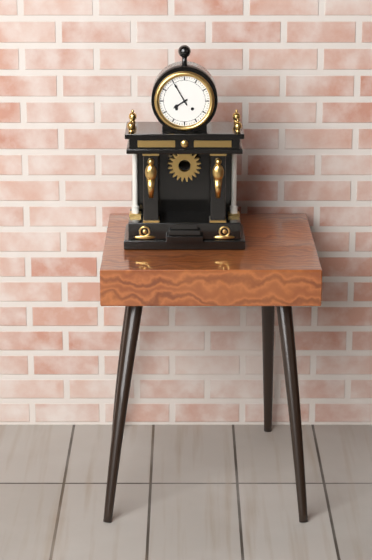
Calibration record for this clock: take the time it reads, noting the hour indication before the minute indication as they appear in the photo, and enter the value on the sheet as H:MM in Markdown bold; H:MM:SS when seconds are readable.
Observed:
**7:55**
